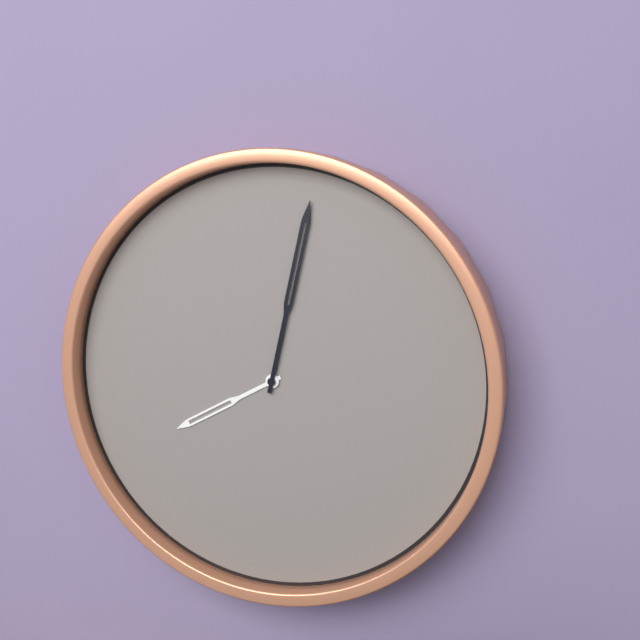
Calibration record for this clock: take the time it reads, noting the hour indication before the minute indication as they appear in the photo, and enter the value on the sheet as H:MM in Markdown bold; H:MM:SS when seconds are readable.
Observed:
**8:02**
